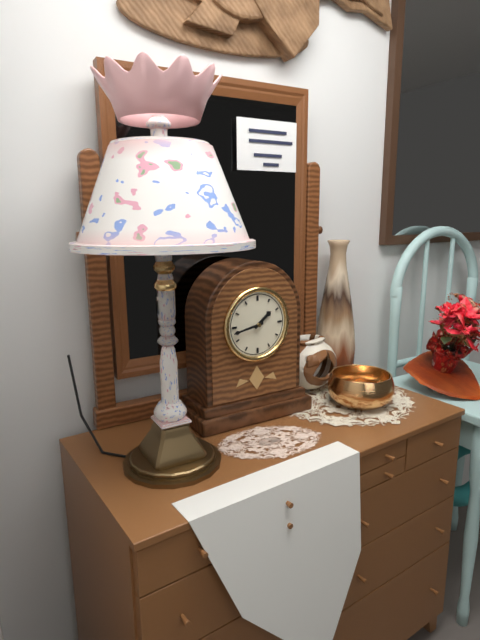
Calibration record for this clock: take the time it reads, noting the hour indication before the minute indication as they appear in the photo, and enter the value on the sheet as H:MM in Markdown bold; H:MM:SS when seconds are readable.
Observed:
**1:43**
